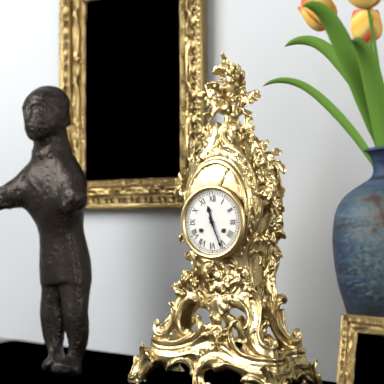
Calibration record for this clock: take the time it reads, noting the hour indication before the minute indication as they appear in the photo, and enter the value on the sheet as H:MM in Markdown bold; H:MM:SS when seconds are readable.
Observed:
**11:26**
